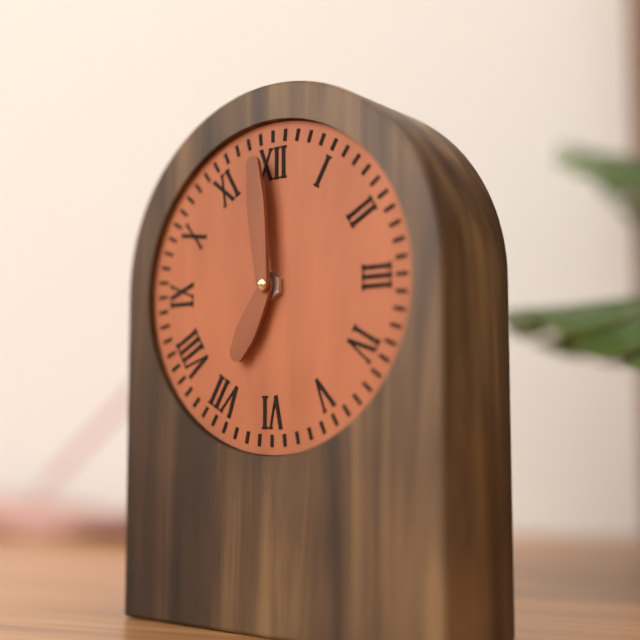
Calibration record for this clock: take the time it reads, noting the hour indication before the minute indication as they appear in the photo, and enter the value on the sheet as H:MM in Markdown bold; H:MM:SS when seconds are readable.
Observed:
**6:59**
